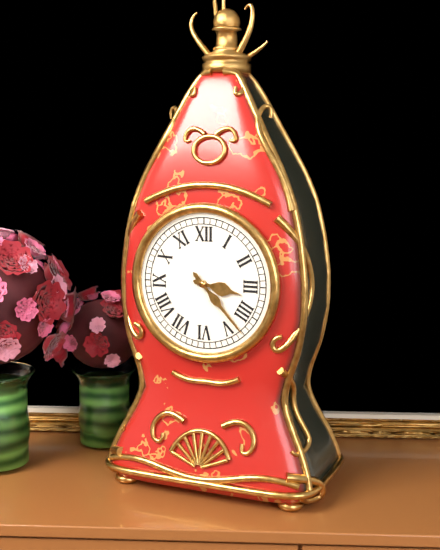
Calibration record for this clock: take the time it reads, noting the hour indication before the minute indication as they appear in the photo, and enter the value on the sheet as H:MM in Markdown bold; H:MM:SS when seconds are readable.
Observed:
**3:23**
